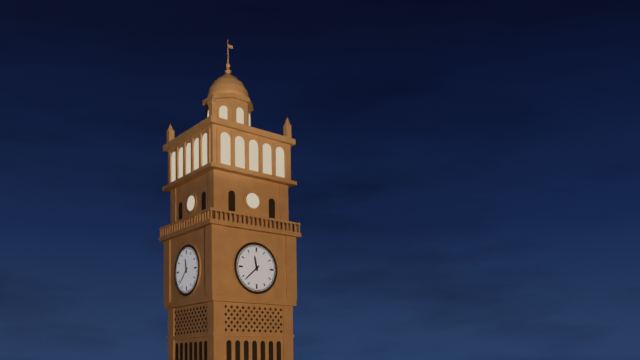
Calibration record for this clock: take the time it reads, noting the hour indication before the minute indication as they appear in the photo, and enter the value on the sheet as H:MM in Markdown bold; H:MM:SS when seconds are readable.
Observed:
**11:38**
